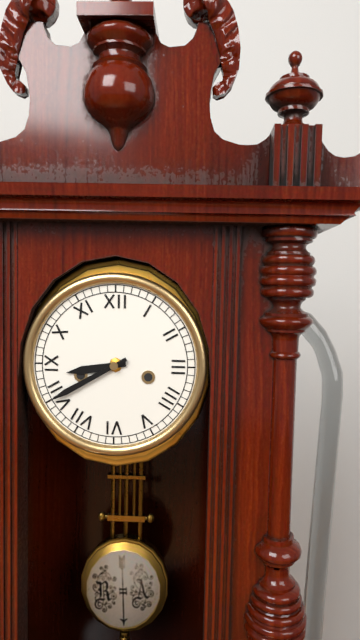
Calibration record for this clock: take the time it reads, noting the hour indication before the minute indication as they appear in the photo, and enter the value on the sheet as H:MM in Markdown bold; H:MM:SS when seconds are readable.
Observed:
**8:40**
